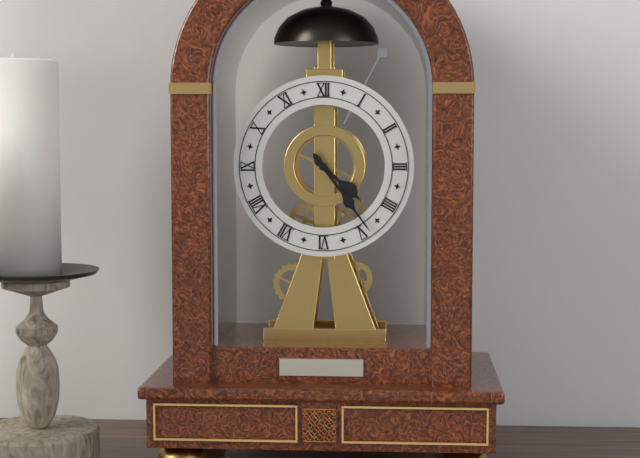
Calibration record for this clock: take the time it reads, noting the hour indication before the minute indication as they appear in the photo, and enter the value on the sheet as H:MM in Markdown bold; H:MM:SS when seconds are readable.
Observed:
**4:24**
